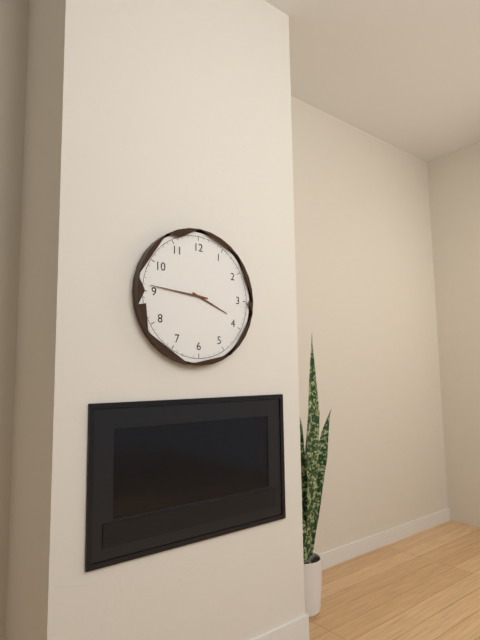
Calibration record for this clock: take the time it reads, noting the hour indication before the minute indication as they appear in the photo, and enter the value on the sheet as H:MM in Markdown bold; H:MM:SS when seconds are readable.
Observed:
**3:46**
